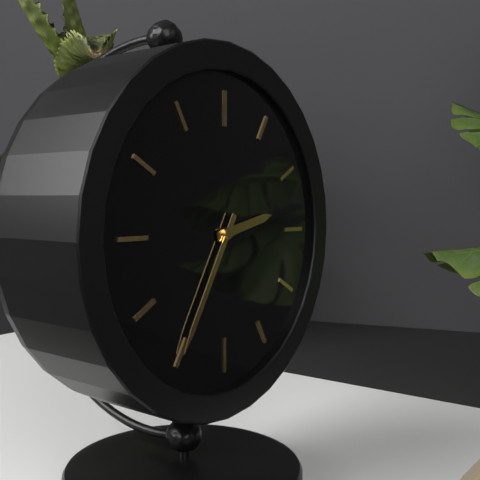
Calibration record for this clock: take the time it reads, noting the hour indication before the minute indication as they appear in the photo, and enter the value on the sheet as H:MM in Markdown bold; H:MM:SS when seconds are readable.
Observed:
**2:35**
